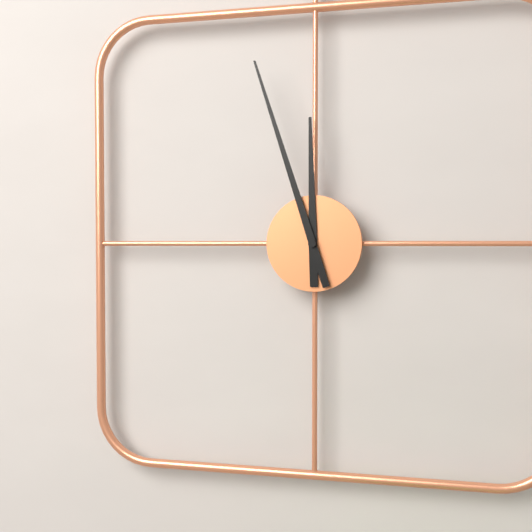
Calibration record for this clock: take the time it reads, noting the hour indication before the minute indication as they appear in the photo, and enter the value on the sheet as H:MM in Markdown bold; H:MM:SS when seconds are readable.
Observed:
**11:57**
